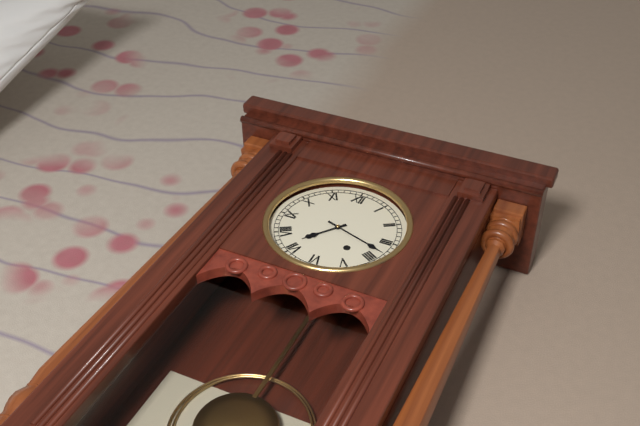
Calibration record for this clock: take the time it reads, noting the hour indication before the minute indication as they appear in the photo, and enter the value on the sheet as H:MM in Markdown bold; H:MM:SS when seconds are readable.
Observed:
**7:18**
